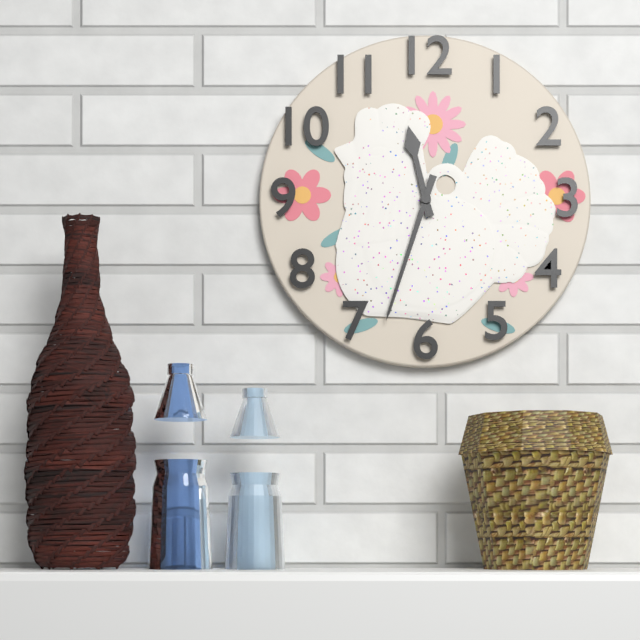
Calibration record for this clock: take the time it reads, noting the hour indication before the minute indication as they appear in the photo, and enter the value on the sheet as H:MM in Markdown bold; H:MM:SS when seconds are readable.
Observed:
**11:33**
